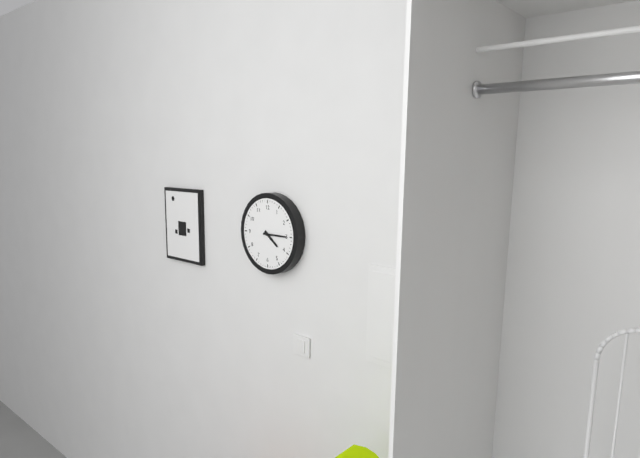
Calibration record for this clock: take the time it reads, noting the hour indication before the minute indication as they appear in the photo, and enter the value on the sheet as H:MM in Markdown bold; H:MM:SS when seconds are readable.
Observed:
**4:15**
